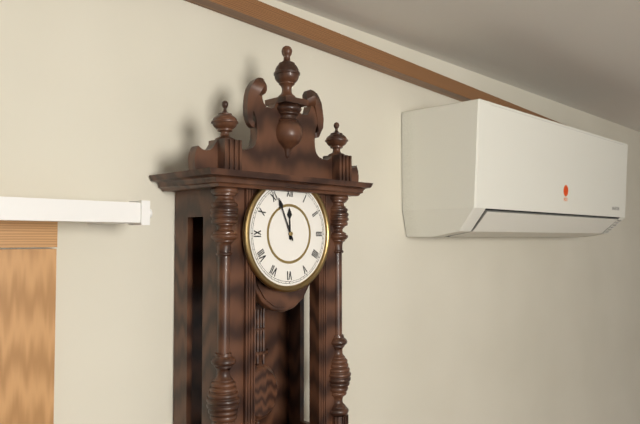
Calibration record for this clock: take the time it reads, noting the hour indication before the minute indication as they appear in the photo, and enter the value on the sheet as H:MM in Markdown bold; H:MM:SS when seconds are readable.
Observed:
**11:56**
